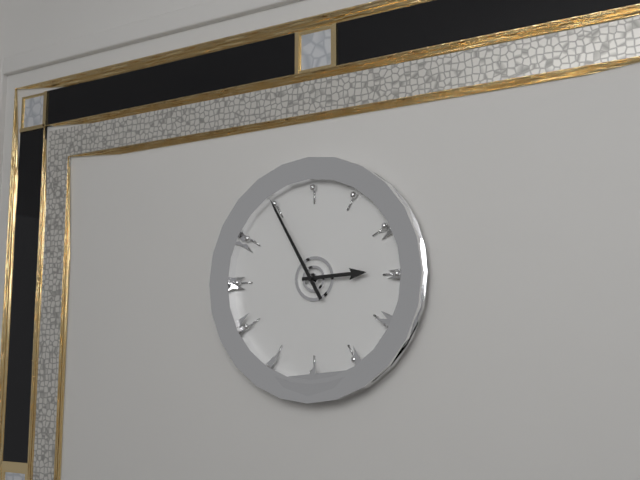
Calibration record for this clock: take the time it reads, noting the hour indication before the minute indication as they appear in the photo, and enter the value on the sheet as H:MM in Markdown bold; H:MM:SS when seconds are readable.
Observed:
**2:55**
